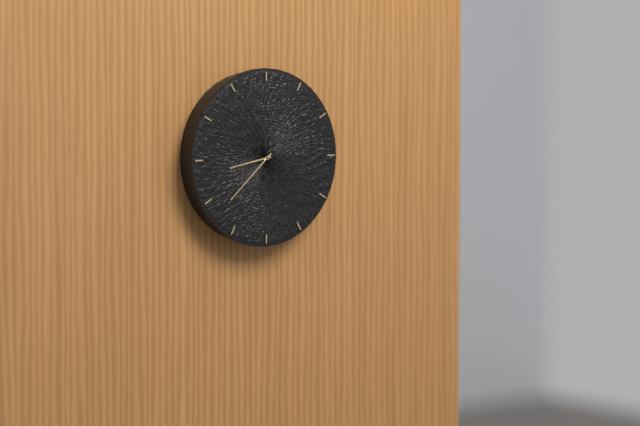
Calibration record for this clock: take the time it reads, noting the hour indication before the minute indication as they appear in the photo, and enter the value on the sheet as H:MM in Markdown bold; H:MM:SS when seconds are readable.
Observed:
**8:38**
